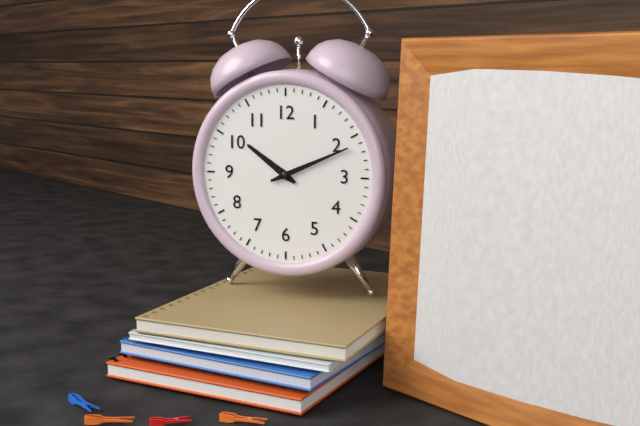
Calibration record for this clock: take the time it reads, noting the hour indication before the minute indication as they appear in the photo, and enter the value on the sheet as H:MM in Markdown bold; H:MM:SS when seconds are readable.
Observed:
**10:11**
